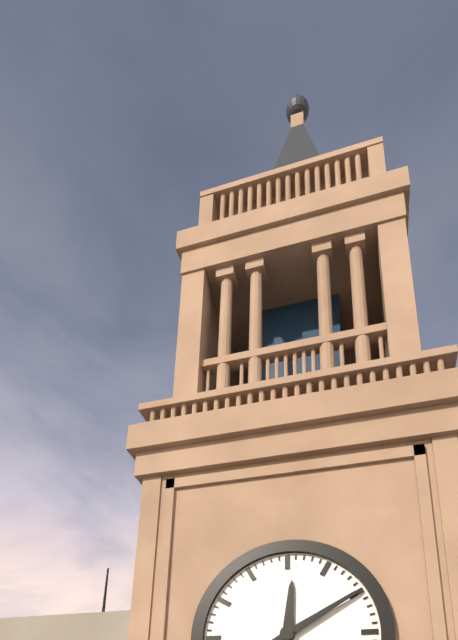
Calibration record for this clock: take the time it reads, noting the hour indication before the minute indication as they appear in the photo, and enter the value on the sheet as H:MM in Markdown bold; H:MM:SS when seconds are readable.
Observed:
**12:10**
